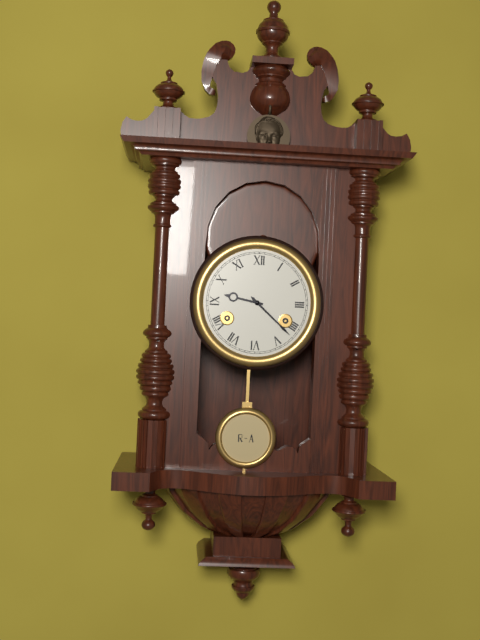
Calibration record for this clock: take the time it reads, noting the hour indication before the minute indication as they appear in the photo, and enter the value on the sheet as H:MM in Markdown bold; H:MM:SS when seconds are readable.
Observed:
**9:22**
